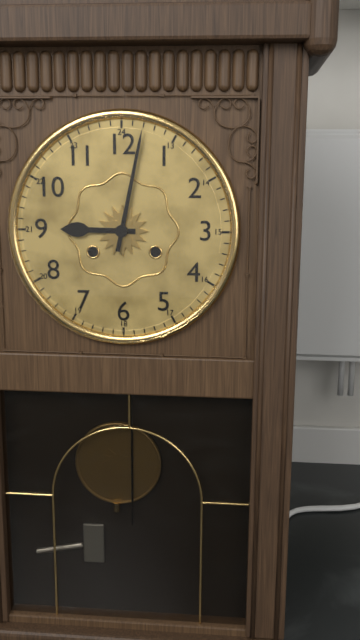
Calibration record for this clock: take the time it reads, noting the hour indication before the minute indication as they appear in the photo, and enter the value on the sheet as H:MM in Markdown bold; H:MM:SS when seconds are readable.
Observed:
**9:02**
